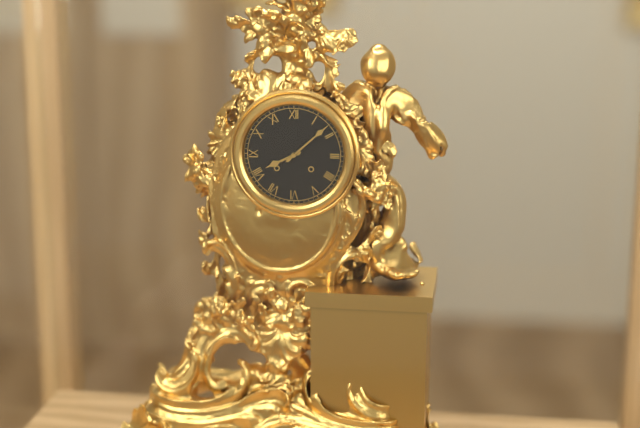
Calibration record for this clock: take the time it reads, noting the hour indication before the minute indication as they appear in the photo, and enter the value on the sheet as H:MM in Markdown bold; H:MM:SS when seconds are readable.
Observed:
**8:08**
